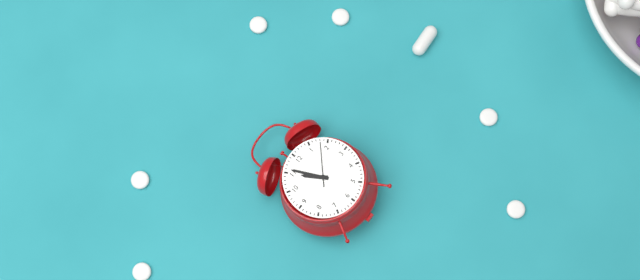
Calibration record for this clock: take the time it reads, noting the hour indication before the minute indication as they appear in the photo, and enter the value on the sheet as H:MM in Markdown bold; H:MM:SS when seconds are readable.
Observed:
**10:56**
